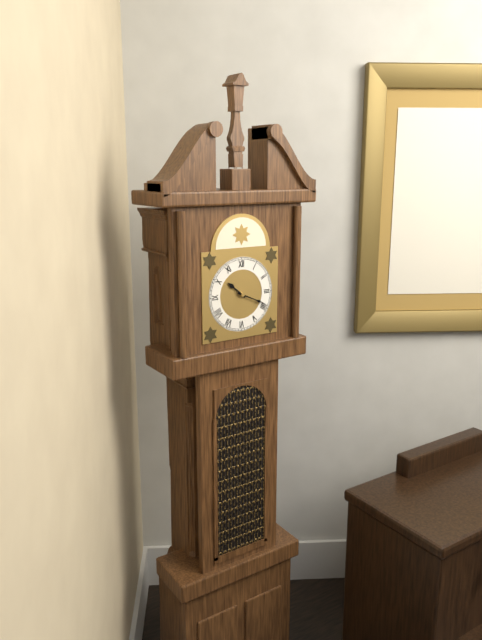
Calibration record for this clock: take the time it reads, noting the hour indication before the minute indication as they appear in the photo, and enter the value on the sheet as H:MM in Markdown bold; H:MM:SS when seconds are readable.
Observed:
**10:19**
